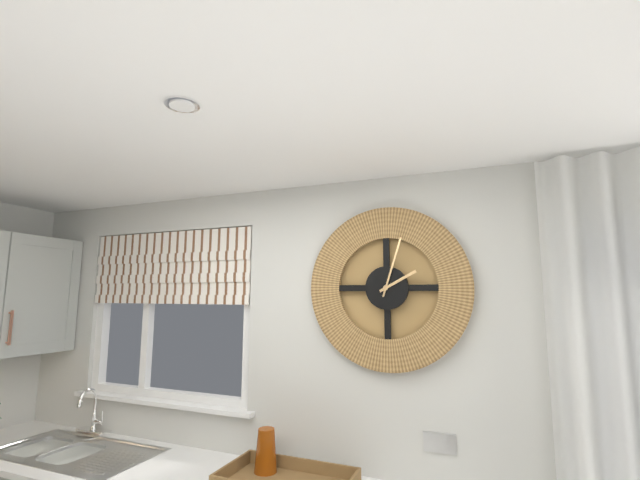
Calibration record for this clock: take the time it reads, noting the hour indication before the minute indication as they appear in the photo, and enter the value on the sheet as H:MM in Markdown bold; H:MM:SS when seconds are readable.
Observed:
**2:03**
